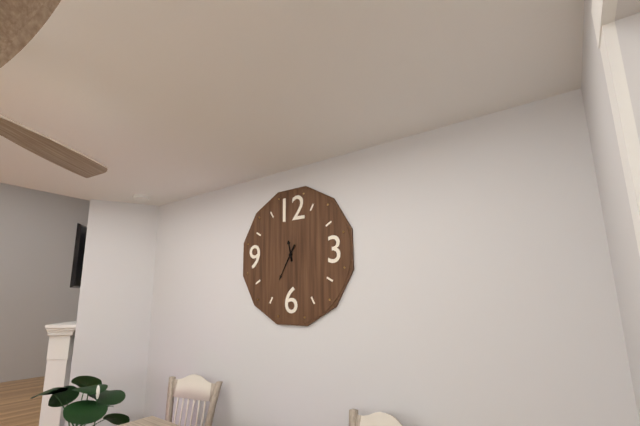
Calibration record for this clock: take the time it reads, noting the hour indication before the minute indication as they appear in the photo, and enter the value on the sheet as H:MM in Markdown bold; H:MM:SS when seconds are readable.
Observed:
**11:35**
